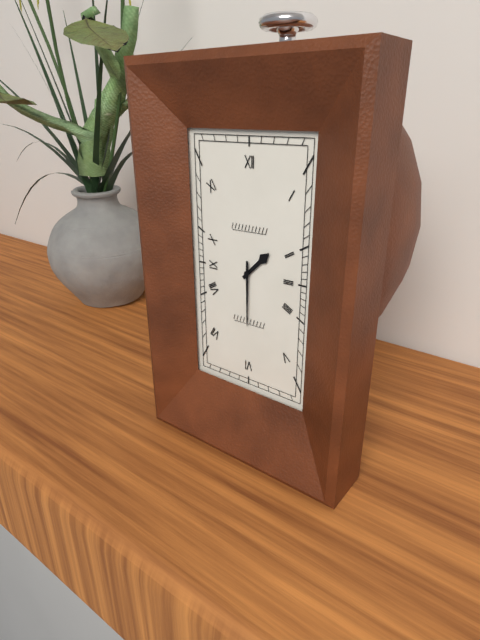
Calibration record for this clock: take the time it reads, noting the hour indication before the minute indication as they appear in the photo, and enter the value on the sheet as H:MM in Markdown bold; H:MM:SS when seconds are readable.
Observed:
**1:30**
